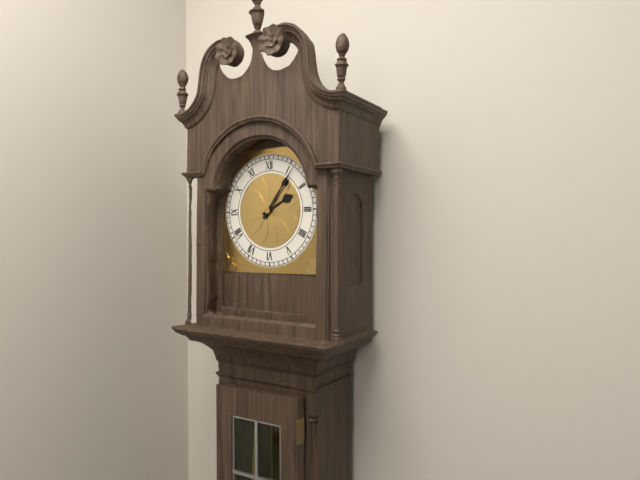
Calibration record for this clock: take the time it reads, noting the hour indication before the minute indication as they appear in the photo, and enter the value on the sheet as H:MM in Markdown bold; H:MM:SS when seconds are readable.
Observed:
**2:06**
